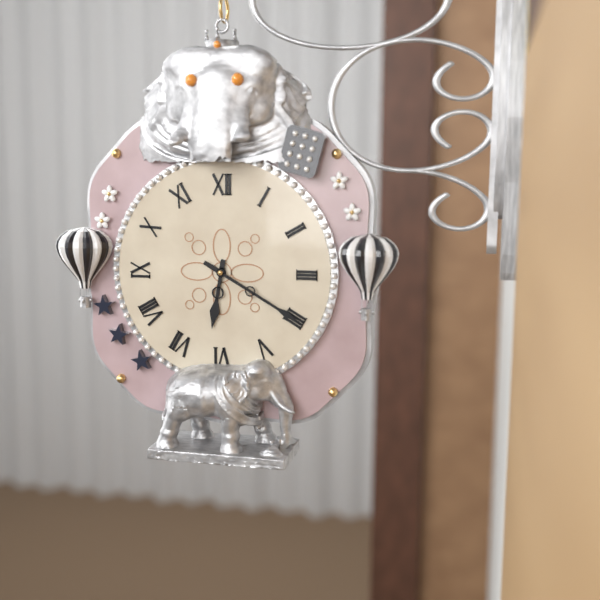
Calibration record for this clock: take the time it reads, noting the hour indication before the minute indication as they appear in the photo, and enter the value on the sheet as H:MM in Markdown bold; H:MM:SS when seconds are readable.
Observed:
**6:20**
